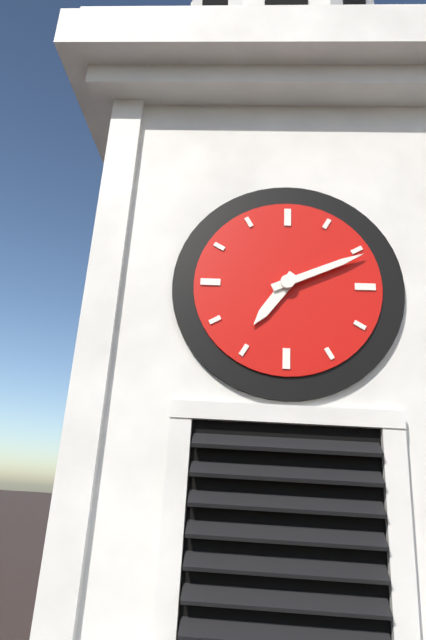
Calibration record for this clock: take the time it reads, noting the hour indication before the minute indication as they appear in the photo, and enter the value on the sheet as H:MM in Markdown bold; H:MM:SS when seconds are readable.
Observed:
**7:11**
